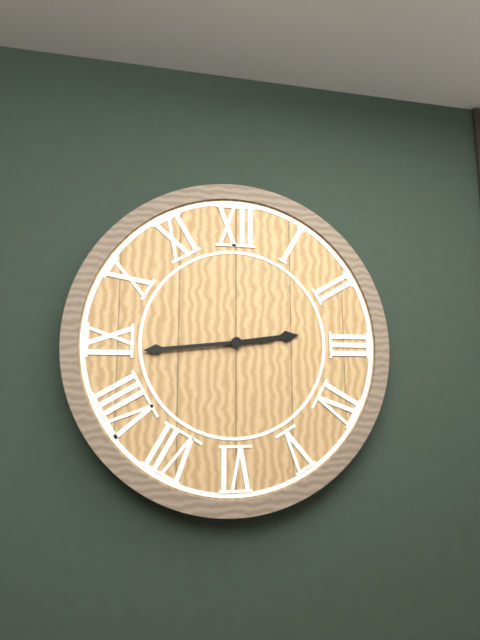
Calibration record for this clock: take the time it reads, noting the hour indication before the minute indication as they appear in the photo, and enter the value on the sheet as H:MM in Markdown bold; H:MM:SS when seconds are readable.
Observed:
**2:44**
